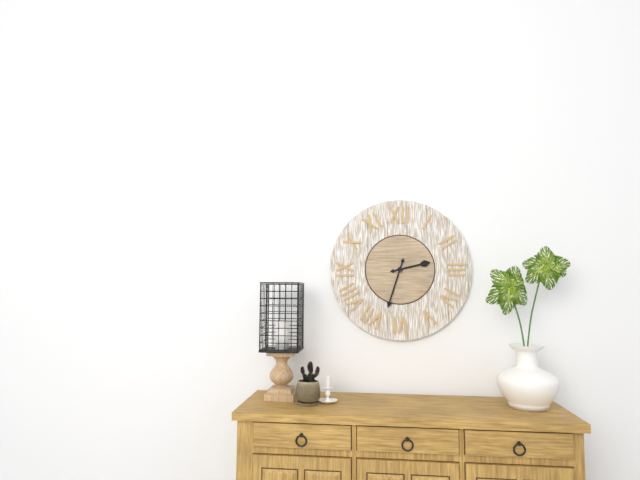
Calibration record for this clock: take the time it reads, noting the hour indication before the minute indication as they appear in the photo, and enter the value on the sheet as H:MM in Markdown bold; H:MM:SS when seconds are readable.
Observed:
**2:33**
